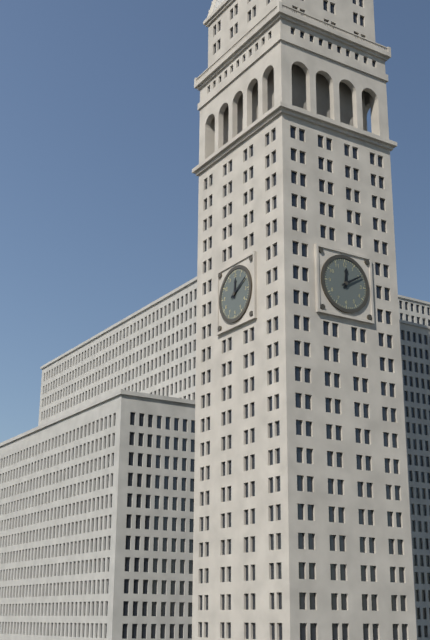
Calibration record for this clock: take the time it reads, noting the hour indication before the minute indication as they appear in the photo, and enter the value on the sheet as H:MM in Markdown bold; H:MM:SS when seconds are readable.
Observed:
**12:10**
